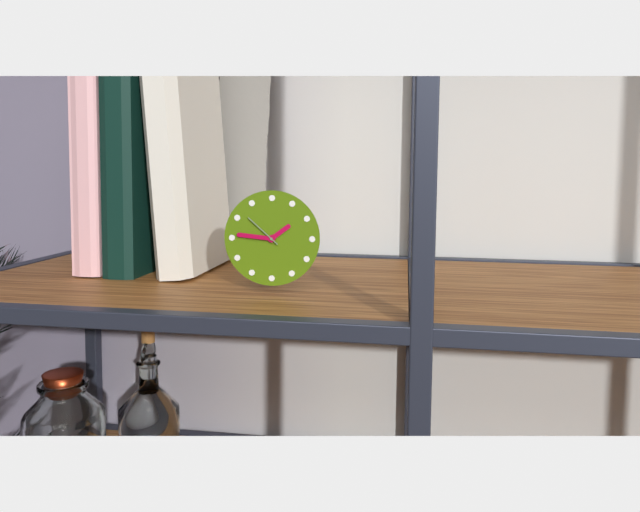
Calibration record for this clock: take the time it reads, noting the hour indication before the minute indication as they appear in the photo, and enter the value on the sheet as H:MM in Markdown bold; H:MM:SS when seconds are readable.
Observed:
**1:46**
